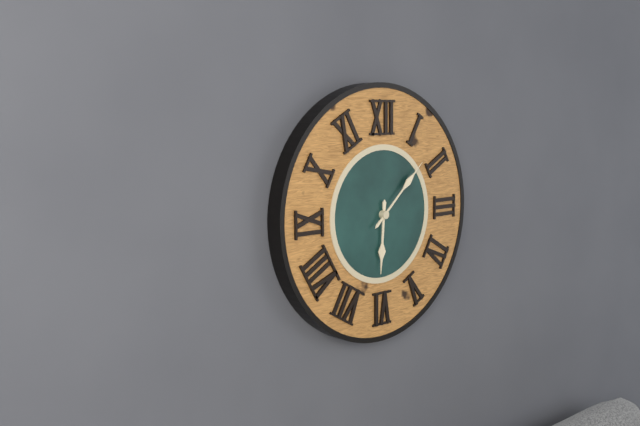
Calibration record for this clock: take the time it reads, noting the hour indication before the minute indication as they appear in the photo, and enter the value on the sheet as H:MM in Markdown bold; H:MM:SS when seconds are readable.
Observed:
**6:08**
